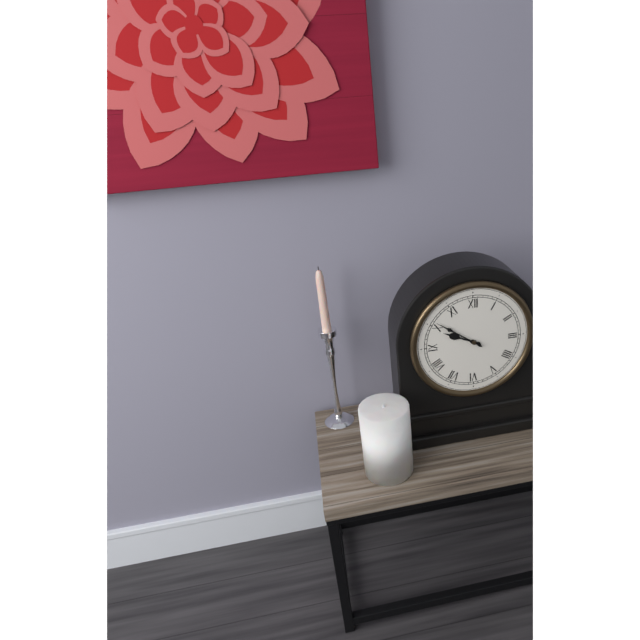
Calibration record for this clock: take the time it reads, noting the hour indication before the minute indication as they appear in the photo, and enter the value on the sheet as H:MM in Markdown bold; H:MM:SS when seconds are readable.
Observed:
**9:51**
